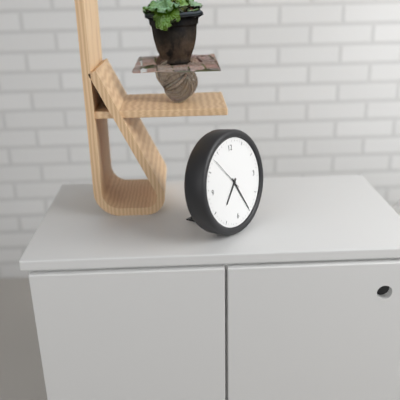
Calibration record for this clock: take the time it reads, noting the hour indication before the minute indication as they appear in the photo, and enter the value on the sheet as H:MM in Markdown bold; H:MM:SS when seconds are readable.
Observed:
**7:25**
